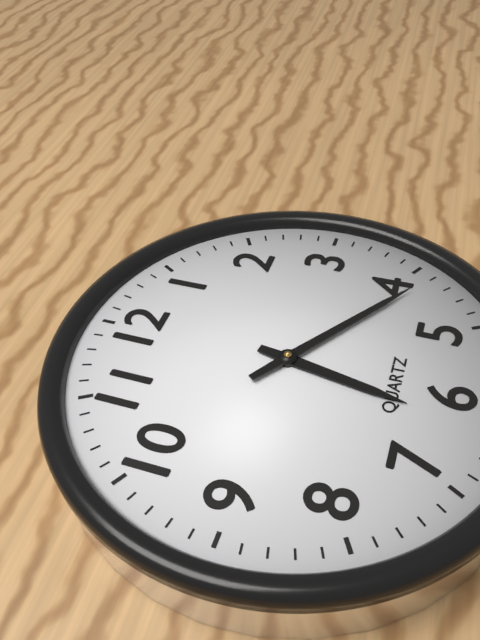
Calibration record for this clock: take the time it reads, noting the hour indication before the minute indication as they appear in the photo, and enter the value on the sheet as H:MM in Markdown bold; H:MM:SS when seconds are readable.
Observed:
**6:21**
